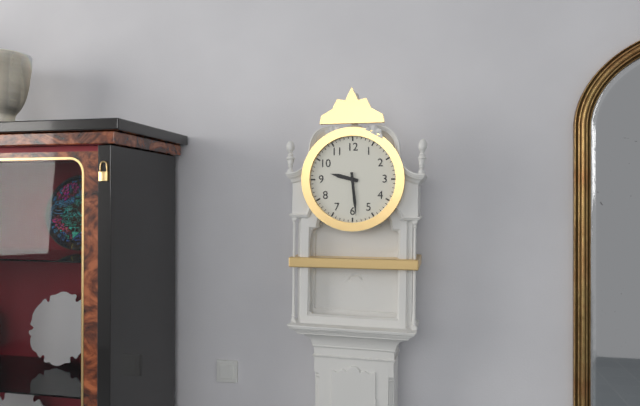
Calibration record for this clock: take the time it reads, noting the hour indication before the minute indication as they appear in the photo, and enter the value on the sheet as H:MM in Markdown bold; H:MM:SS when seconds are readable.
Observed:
**9:29**
